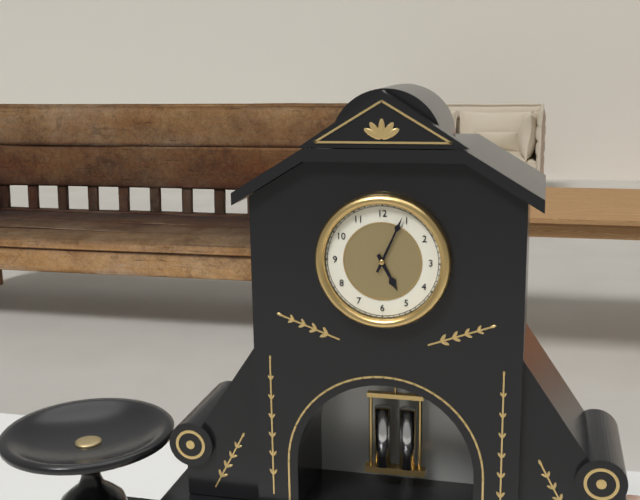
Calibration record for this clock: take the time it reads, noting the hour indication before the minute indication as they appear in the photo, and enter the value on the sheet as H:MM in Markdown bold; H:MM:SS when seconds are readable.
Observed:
**5:04**
